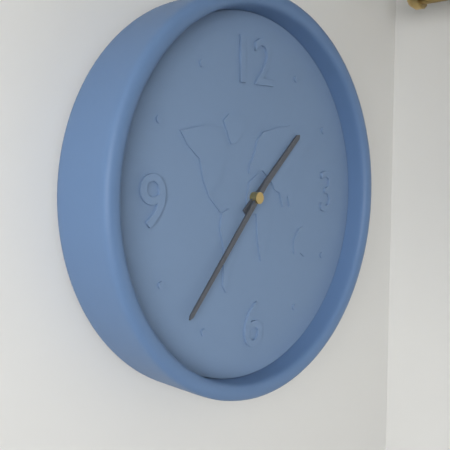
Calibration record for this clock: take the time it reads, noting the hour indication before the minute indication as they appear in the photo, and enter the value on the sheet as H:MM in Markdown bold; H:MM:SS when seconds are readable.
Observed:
**1:37**
